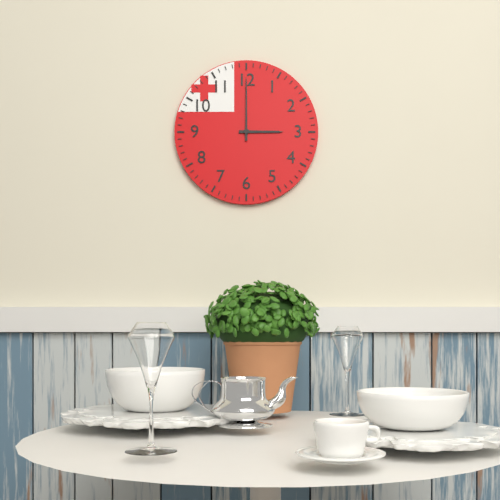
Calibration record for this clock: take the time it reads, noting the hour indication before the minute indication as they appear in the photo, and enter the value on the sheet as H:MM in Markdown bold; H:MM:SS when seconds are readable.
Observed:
**3:00**
